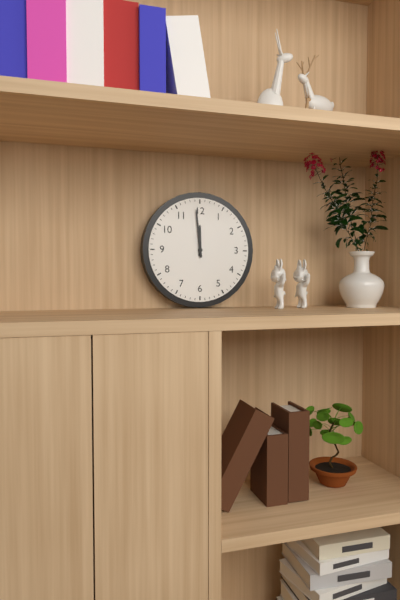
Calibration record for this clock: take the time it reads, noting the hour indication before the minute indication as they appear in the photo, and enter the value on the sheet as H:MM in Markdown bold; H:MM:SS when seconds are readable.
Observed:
**11:59**
